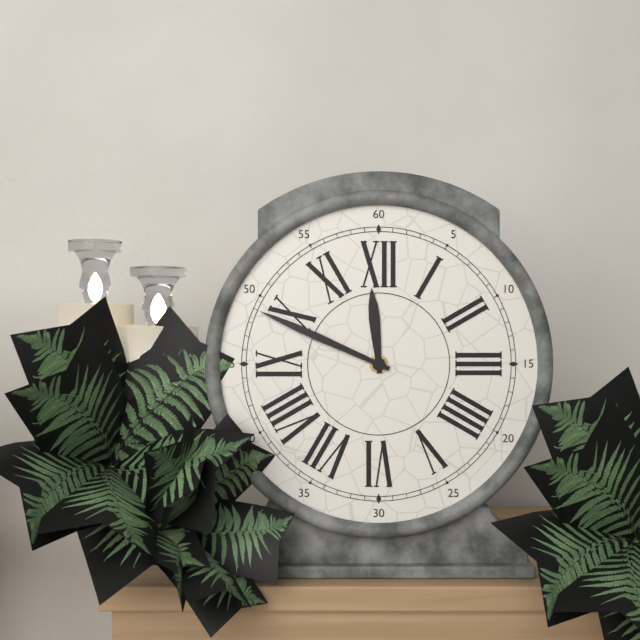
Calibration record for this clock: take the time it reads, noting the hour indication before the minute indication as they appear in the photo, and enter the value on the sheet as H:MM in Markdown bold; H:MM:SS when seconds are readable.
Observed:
**11:49**
